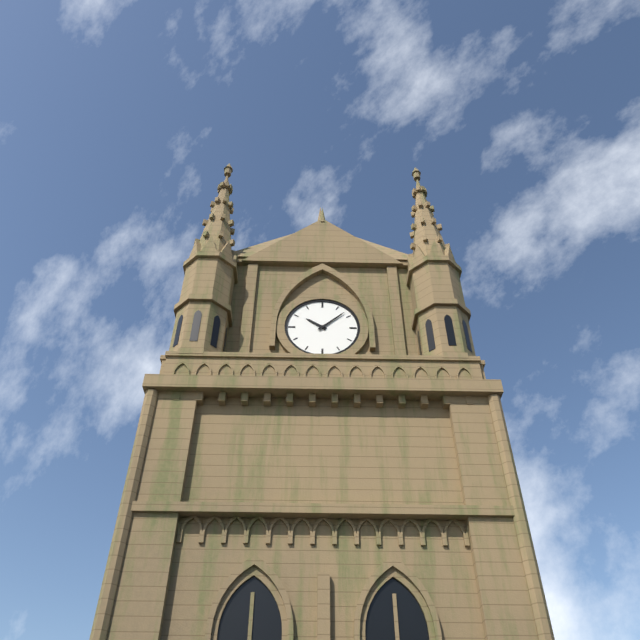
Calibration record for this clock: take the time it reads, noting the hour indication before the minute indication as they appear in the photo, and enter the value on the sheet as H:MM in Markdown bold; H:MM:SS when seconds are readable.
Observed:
**10:08**
